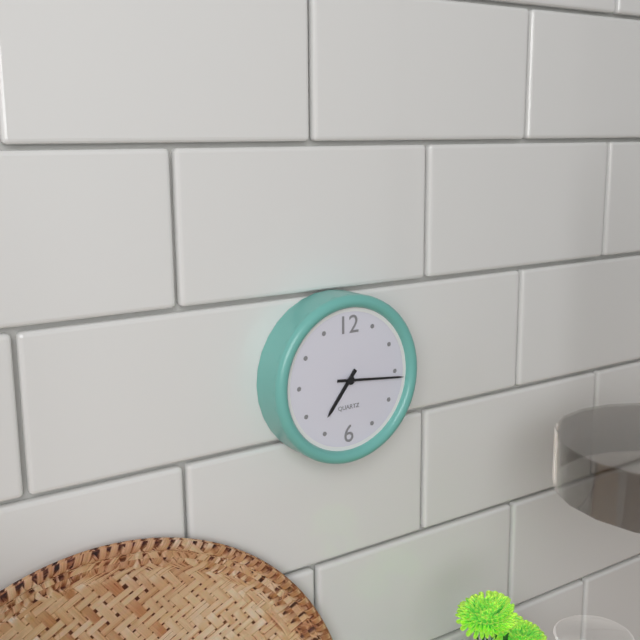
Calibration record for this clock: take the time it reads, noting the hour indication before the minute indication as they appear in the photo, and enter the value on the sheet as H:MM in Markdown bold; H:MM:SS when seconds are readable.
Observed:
**7:16**
